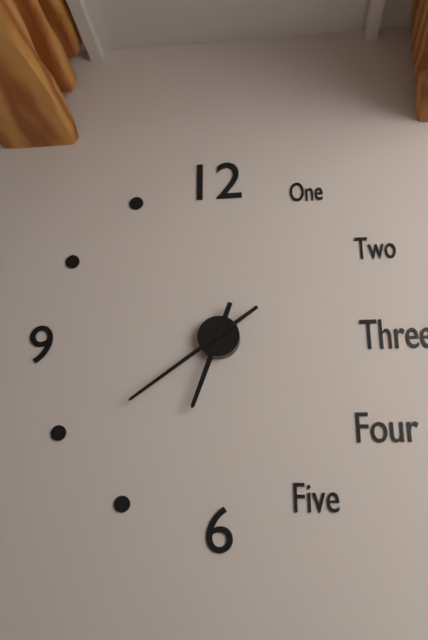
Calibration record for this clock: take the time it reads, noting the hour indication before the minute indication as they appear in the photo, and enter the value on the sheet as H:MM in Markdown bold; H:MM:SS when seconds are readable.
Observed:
**6:39**
